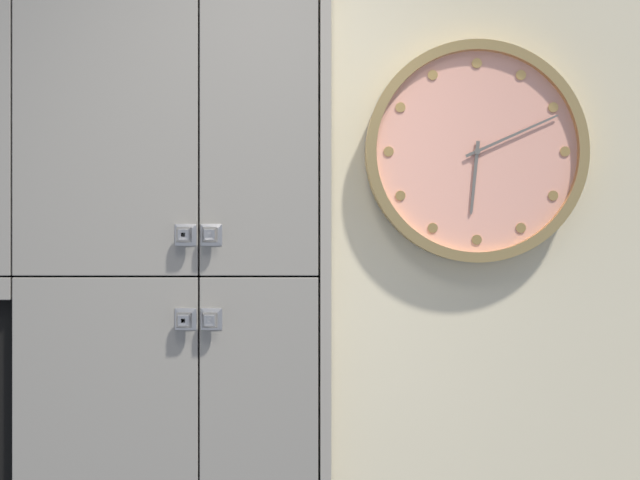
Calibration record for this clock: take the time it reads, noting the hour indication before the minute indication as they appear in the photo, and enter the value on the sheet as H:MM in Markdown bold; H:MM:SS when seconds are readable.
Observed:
**6:11**
